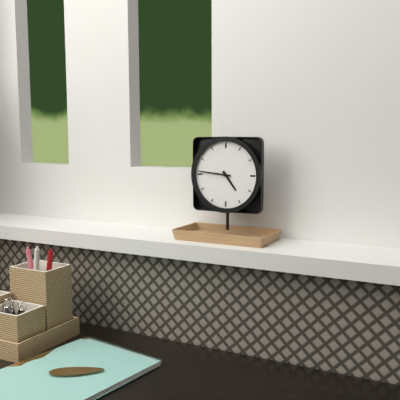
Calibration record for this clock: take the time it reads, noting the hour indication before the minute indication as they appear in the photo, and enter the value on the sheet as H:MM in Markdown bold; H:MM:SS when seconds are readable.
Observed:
**4:46**
